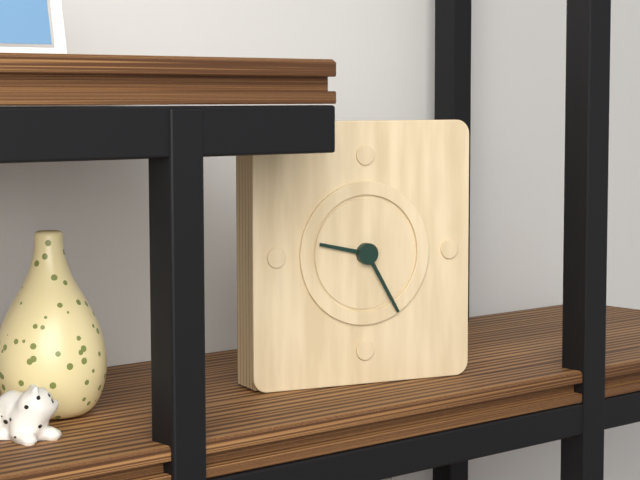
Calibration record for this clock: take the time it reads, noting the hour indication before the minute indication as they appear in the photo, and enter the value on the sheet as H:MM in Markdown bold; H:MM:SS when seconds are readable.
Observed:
**9:25**
